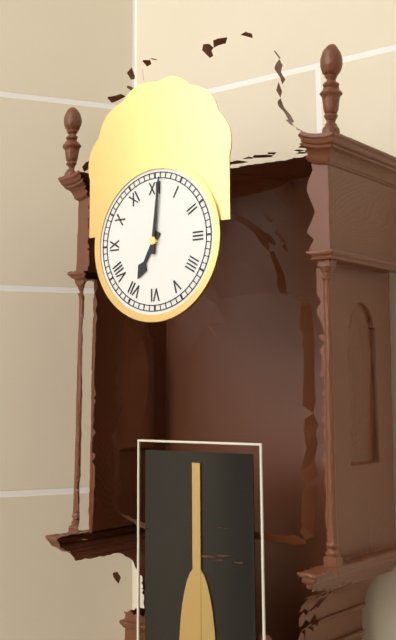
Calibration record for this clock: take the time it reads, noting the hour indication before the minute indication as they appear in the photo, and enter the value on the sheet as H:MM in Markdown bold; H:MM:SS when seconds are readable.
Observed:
**7:01**
